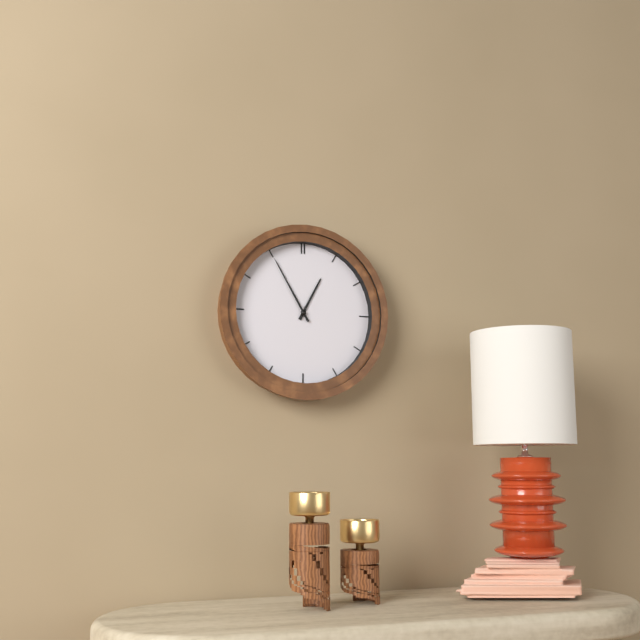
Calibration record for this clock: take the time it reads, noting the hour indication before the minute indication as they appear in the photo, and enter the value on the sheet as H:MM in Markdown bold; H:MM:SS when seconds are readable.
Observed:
**12:55**
